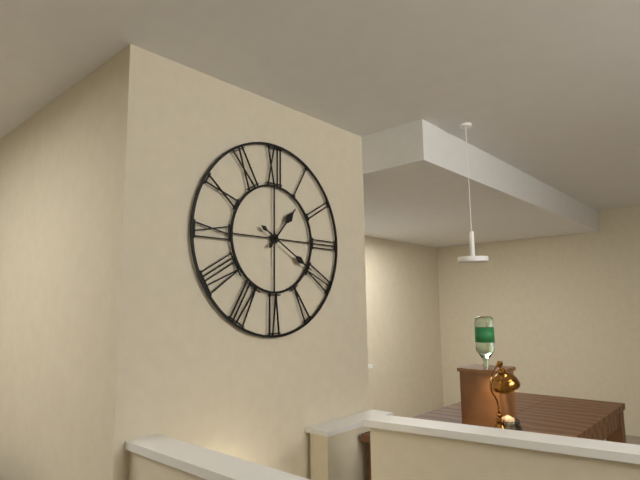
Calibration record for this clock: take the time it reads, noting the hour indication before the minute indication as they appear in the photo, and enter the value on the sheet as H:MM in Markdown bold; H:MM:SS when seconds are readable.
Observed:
**1:20**
